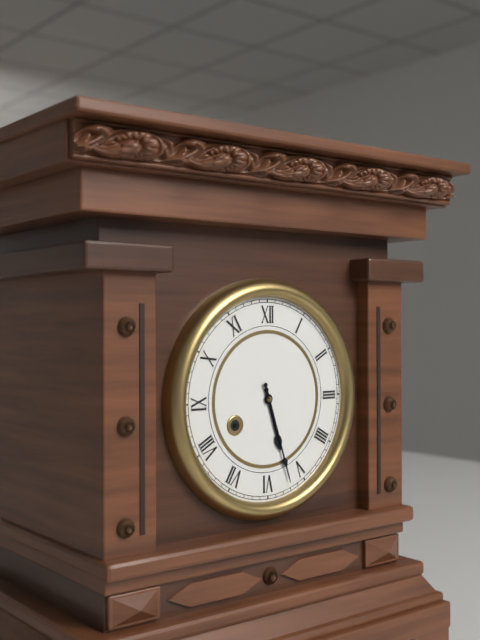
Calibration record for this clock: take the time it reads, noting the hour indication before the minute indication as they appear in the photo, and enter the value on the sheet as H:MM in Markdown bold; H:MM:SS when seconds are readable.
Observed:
**5:27**
